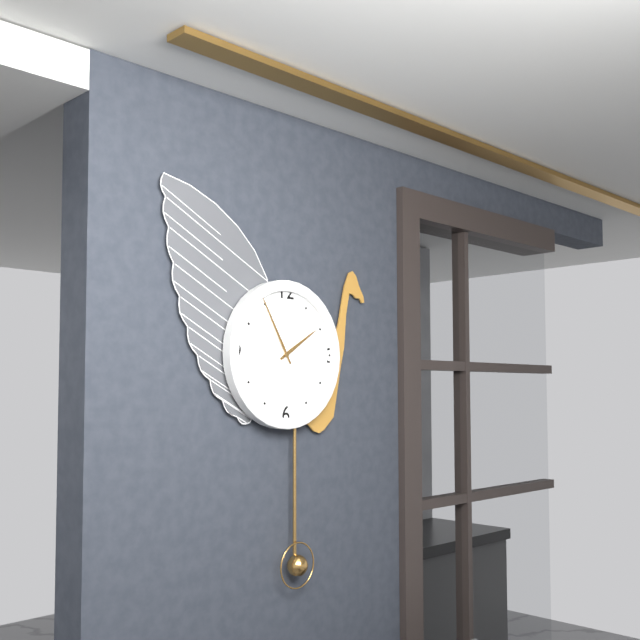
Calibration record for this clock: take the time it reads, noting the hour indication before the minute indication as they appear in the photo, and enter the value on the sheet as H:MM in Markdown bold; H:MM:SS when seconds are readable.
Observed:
**1:55**
